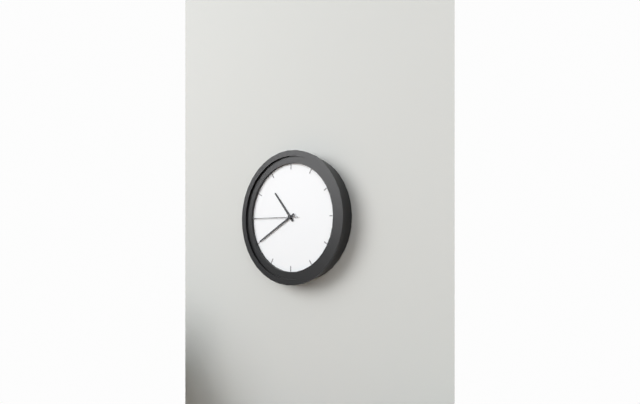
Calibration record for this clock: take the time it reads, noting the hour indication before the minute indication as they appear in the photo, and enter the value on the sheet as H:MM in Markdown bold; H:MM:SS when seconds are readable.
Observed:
**10:40**
